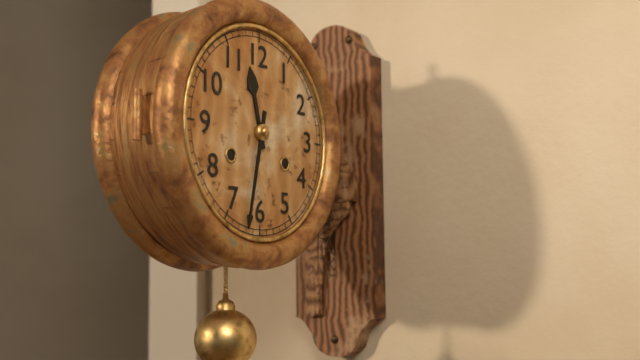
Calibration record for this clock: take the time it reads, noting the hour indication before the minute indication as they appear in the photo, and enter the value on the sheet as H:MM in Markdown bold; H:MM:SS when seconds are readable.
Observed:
**11:32**
